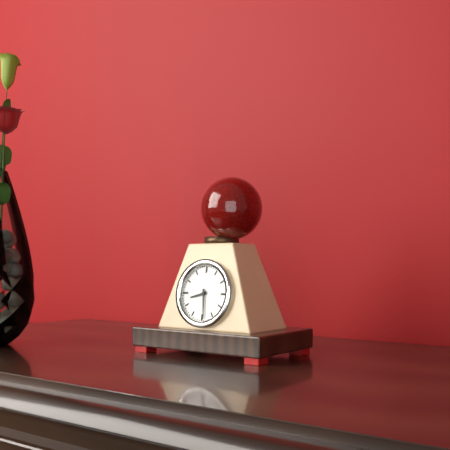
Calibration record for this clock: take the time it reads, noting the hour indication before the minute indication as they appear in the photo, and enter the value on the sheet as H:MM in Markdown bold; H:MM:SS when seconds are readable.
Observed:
**8:29**
